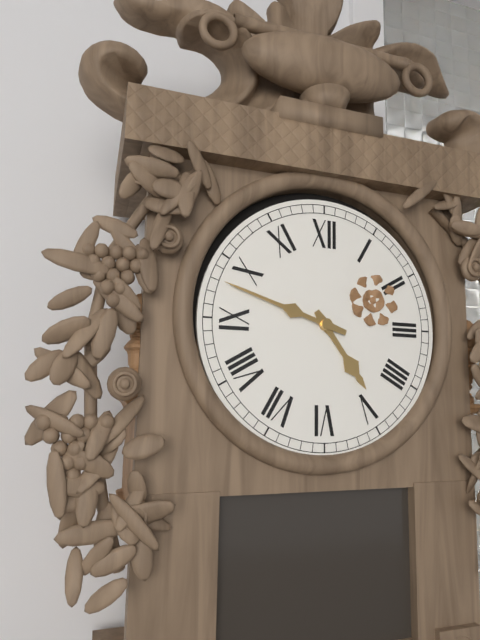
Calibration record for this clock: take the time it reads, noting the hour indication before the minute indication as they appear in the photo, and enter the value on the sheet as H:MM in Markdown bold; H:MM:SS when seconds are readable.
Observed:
**4:48**
